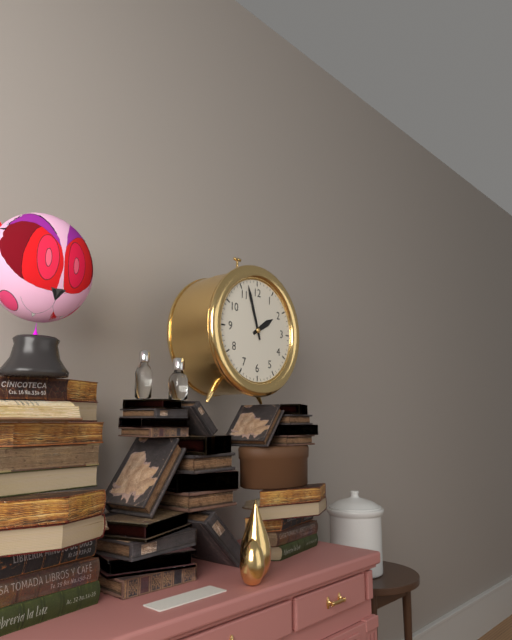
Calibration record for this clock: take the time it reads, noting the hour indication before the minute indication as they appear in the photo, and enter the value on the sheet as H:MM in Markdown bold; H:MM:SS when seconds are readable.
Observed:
**1:57**
